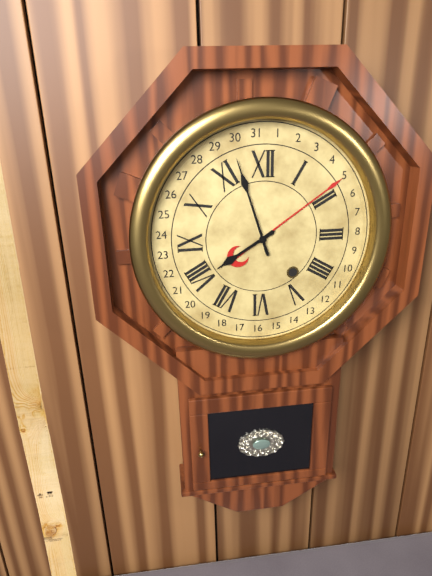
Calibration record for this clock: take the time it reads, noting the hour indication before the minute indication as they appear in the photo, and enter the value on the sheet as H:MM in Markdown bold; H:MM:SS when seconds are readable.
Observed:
**7:57**
